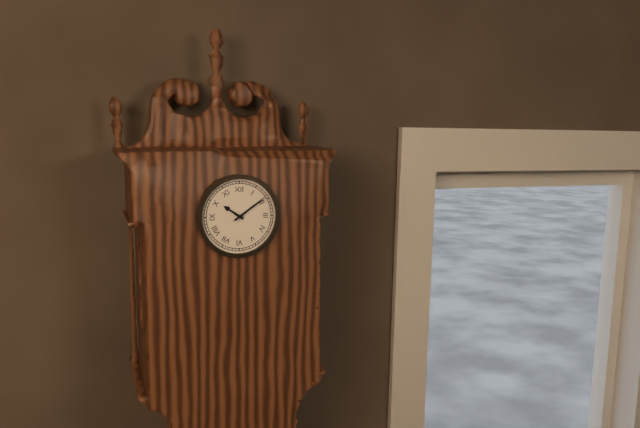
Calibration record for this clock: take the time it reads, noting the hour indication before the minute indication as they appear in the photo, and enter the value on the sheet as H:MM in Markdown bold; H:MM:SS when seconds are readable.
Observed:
**10:09**
